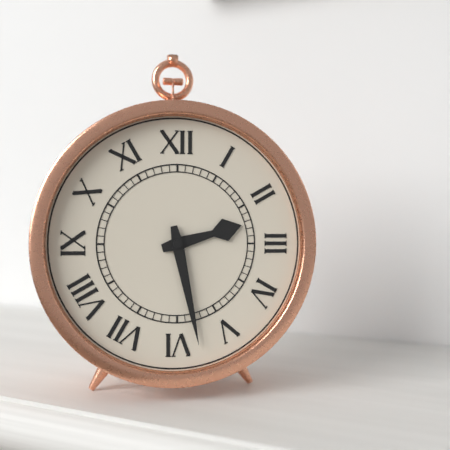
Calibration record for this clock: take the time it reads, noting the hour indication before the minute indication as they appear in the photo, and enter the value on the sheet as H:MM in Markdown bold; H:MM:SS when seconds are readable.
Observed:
**2:28**
